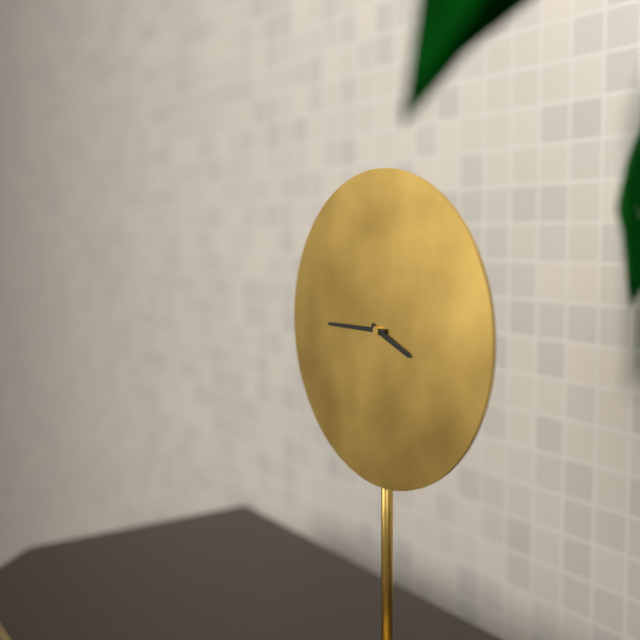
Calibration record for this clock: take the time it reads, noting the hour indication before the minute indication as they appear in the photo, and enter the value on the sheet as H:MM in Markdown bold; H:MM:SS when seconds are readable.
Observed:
**3:45**
